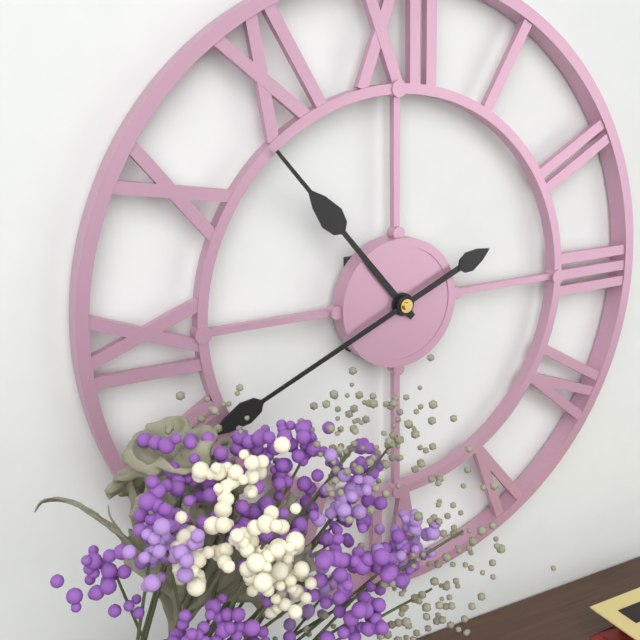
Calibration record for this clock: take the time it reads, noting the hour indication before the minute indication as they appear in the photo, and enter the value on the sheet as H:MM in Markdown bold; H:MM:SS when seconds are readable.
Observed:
**10:41**
